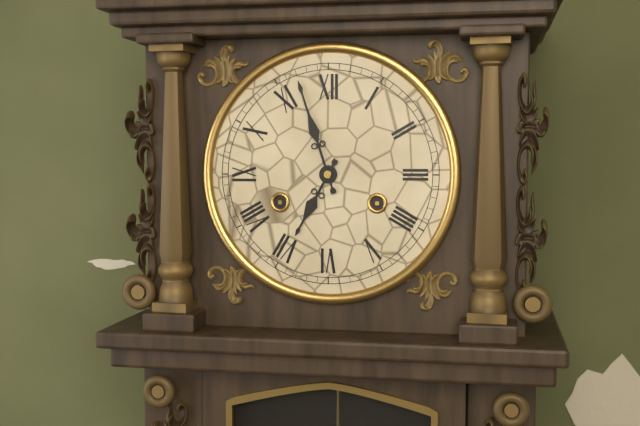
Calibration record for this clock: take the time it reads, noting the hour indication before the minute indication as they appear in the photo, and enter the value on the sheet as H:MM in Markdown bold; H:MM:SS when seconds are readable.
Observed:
**6:57**
